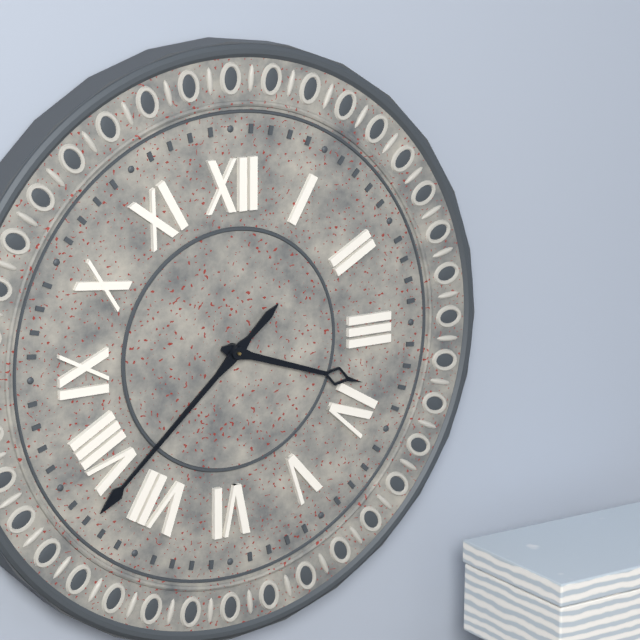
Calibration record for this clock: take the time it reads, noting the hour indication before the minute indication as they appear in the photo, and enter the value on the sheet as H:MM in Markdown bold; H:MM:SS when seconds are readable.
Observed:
**3:38**
